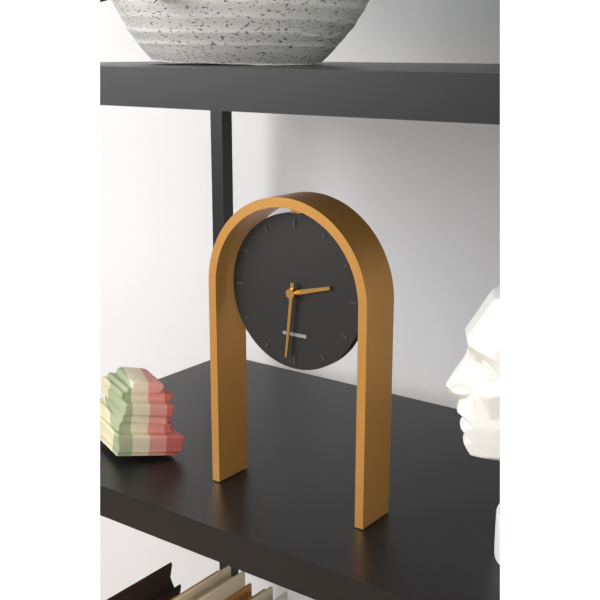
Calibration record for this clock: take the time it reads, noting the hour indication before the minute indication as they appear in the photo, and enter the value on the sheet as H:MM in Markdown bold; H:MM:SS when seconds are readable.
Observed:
**2:31**
